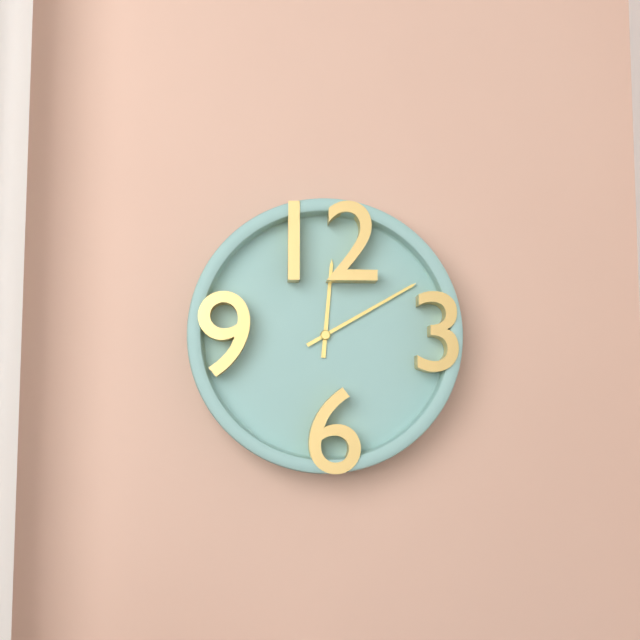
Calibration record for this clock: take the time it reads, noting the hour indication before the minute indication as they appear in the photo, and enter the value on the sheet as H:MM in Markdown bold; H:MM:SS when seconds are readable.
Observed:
**12:10**
